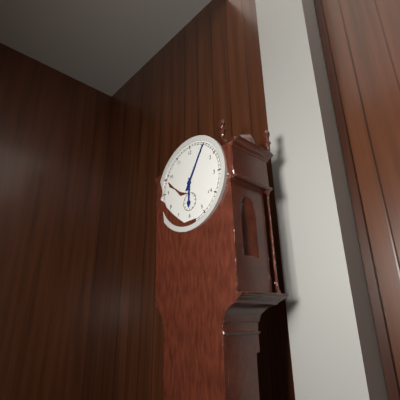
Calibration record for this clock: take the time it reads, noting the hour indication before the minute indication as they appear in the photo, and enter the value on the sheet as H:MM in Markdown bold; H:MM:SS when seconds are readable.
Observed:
**6:05**
